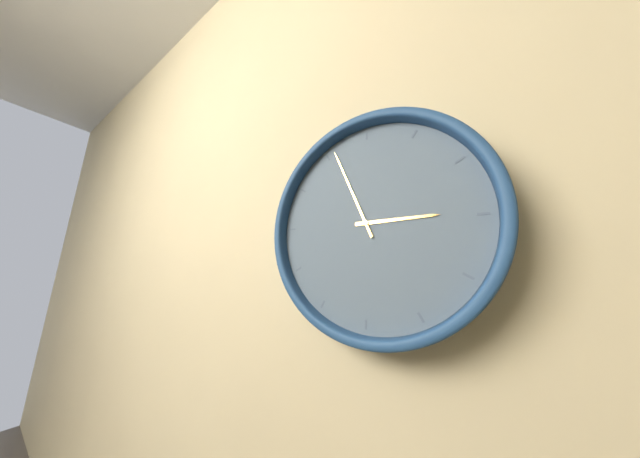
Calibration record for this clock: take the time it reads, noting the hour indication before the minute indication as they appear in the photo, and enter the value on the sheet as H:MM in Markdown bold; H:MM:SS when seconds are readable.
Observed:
**2:56**
